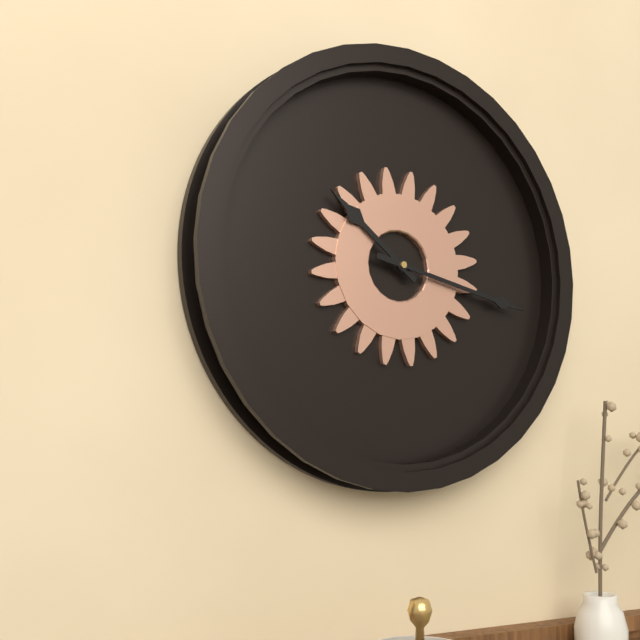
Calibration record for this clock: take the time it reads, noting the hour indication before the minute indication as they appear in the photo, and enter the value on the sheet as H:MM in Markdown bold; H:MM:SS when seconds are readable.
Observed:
**10:17**
